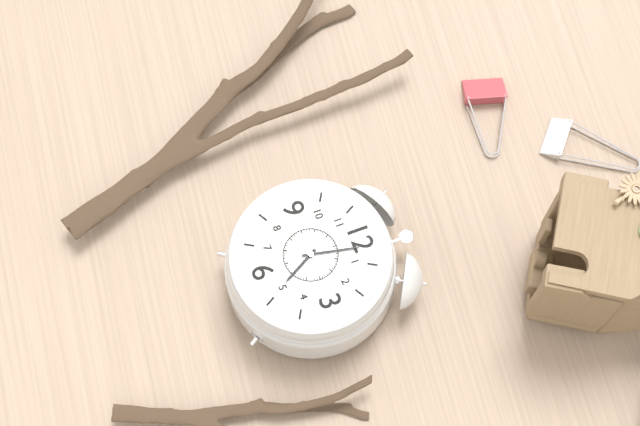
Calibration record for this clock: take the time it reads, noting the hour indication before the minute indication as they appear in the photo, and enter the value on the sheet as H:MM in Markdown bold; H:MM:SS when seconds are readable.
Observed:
**5:02**
